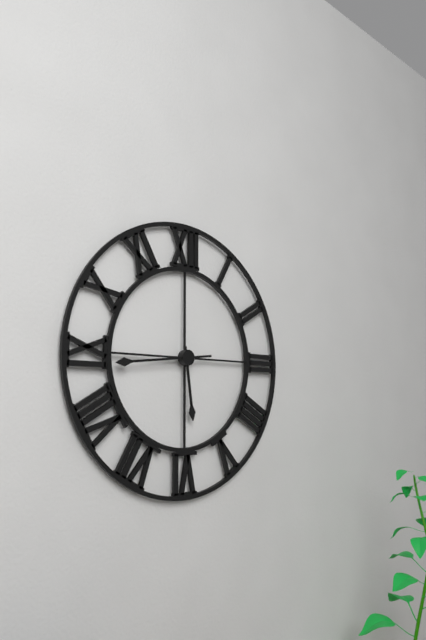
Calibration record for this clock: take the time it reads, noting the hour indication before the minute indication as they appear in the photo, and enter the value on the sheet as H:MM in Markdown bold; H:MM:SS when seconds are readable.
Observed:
**5:44**
